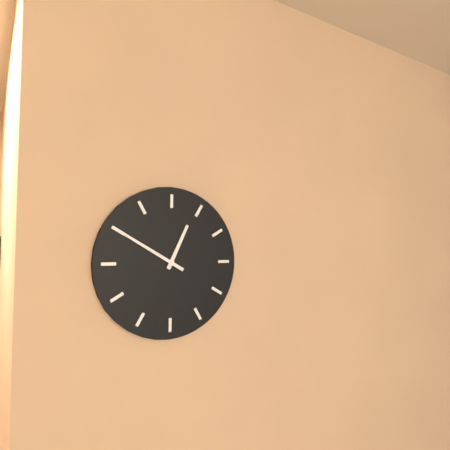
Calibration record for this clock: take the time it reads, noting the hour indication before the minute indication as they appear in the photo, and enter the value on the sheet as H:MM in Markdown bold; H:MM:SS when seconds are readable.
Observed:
**12:50**
